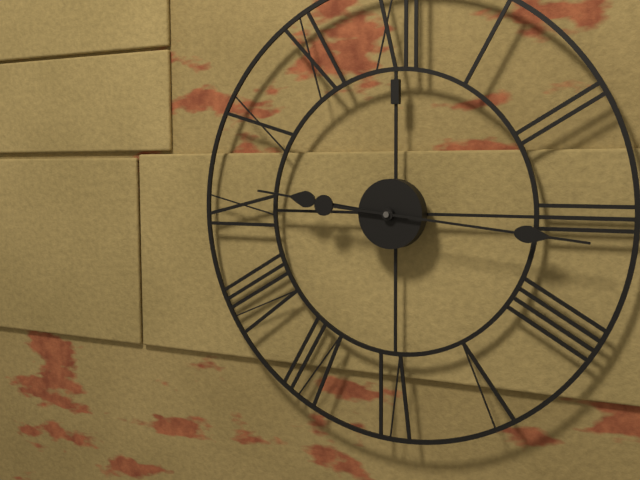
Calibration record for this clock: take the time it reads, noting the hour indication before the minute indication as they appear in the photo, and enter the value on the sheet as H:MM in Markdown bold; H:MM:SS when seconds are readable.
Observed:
**9:16**
